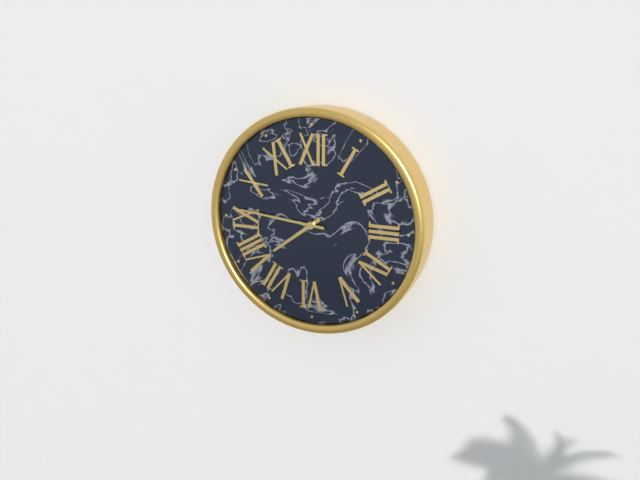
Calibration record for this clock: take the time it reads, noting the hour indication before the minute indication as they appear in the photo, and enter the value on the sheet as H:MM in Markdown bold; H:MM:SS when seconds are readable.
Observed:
**7:46**
